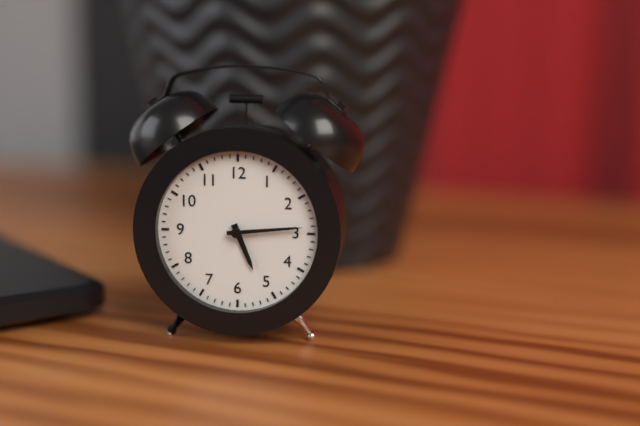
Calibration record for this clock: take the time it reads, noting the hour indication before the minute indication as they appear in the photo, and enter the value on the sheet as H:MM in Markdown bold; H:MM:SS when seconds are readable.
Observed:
**5:14**
